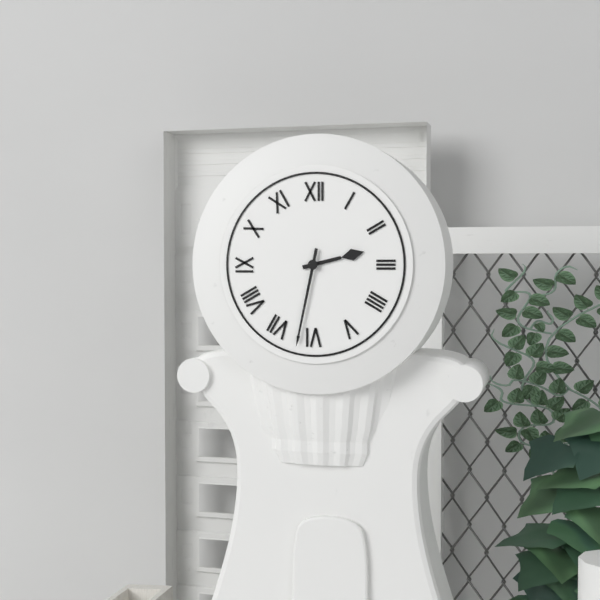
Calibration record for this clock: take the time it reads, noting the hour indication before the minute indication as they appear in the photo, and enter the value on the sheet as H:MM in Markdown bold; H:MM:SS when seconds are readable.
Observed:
**2:32**
